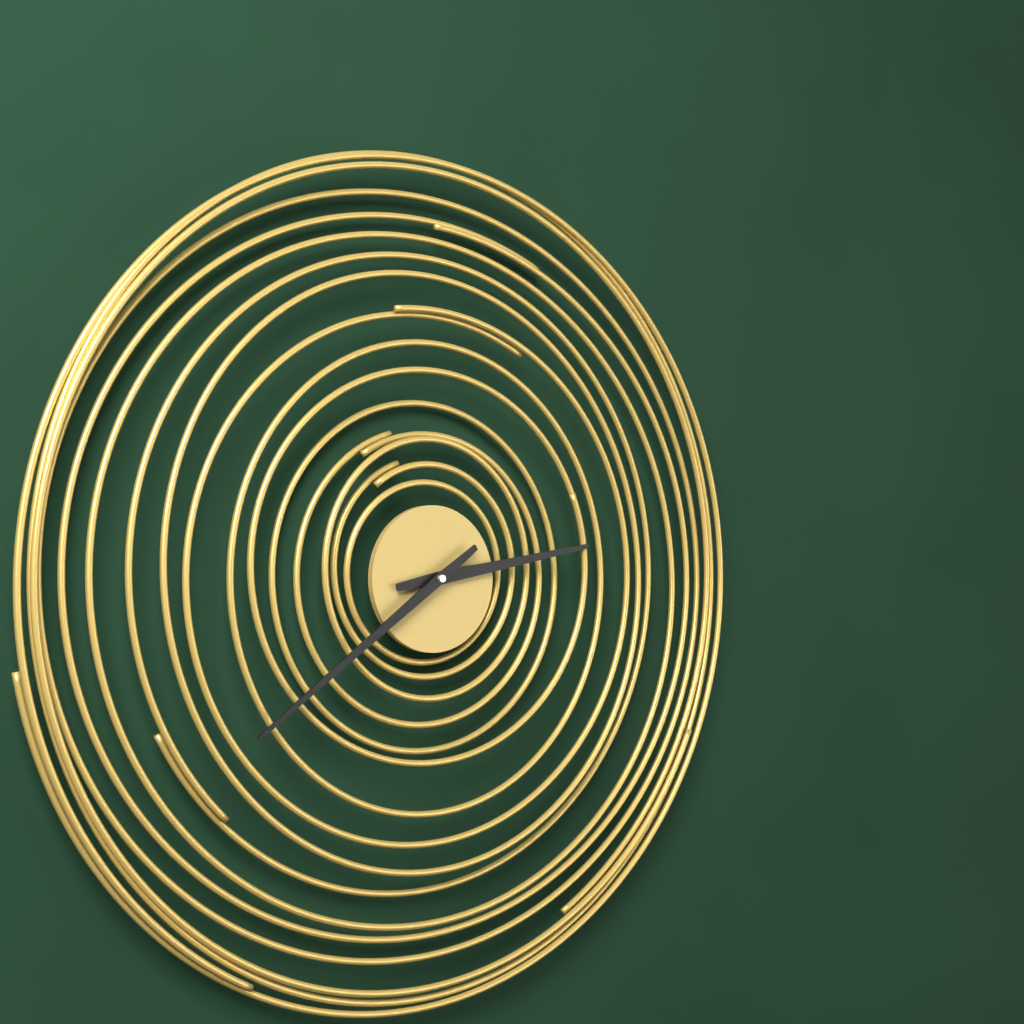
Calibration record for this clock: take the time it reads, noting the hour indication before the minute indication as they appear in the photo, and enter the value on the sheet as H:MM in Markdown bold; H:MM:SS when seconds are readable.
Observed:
**2:39**
